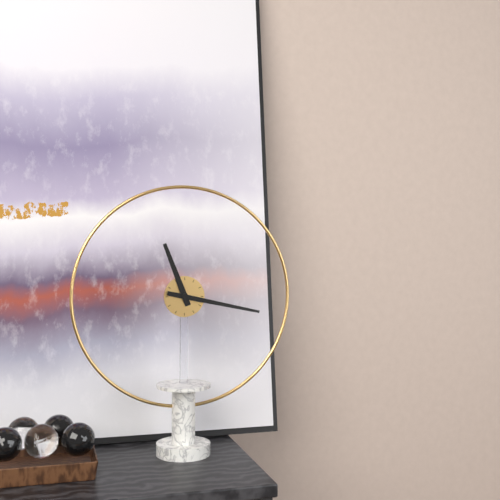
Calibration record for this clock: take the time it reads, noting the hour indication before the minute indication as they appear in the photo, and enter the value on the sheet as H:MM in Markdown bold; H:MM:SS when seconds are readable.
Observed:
**11:17**
